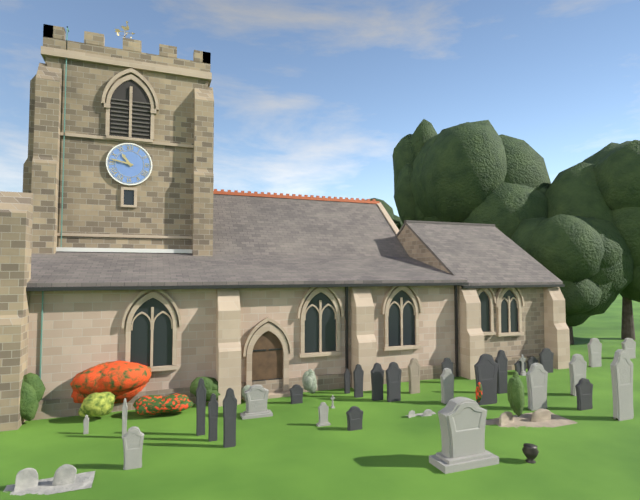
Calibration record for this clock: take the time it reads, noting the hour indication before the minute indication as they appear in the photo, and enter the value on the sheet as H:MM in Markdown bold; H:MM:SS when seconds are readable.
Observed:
**10:47**
